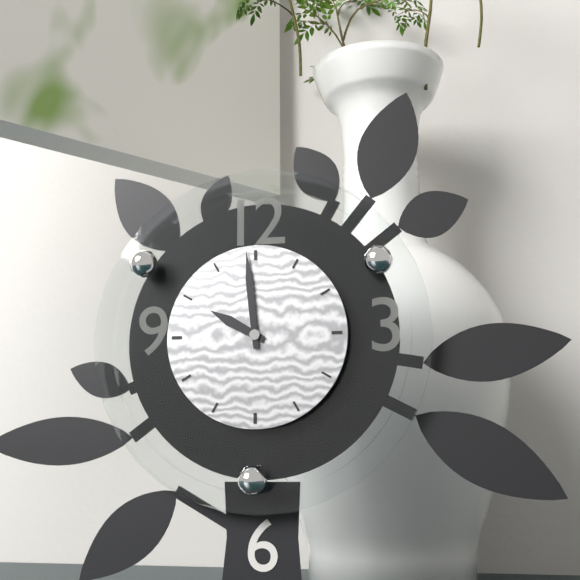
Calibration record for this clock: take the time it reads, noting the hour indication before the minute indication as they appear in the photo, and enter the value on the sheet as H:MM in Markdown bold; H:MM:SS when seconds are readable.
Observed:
**9:59**
